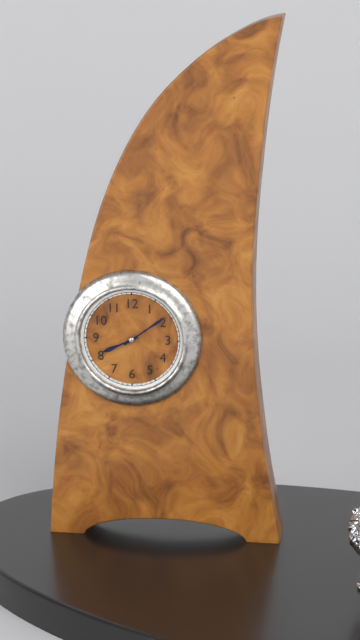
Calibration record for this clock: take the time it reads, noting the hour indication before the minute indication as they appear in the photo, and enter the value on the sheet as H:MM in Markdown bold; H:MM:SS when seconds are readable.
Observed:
**8:09**
